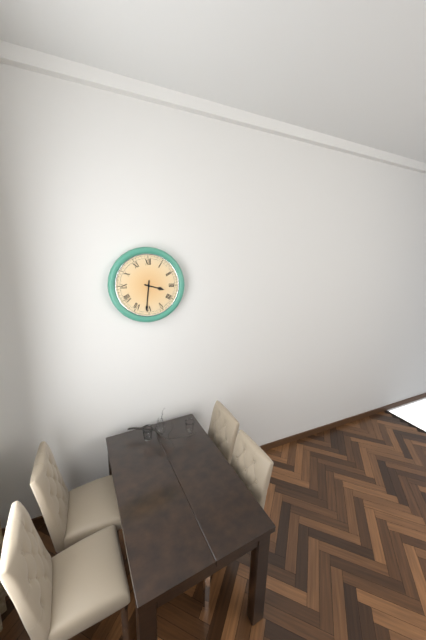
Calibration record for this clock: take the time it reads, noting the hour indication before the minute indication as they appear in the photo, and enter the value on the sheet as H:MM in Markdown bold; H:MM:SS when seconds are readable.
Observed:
**3:31**
